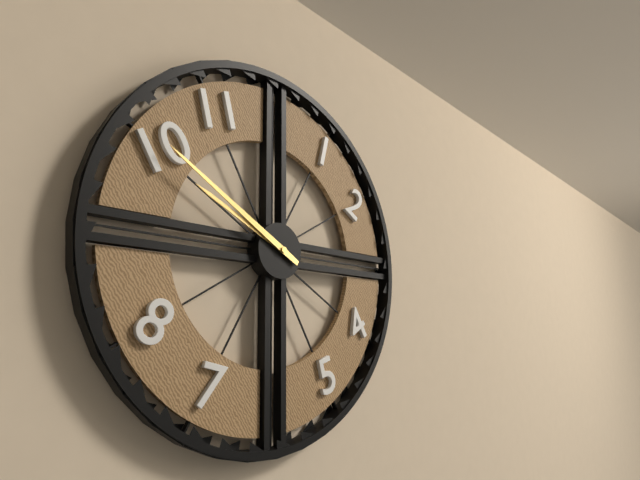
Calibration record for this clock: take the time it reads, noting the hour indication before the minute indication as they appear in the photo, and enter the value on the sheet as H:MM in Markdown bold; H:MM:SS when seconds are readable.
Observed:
**9:50**
